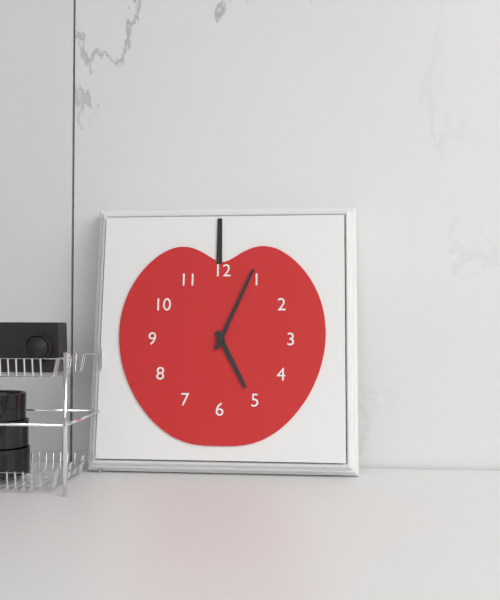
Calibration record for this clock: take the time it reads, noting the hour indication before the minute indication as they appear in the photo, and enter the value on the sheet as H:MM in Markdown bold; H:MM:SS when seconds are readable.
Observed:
**5:04**
